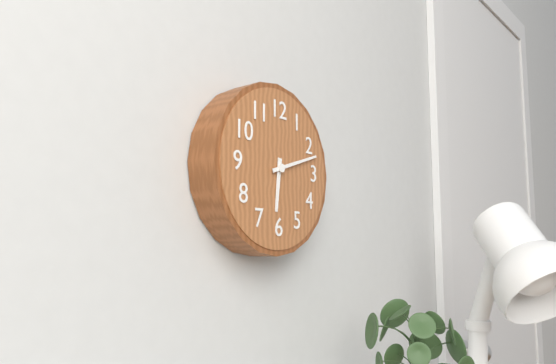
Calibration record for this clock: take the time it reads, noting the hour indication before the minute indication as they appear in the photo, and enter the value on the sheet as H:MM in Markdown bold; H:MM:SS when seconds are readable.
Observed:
**6:12**
